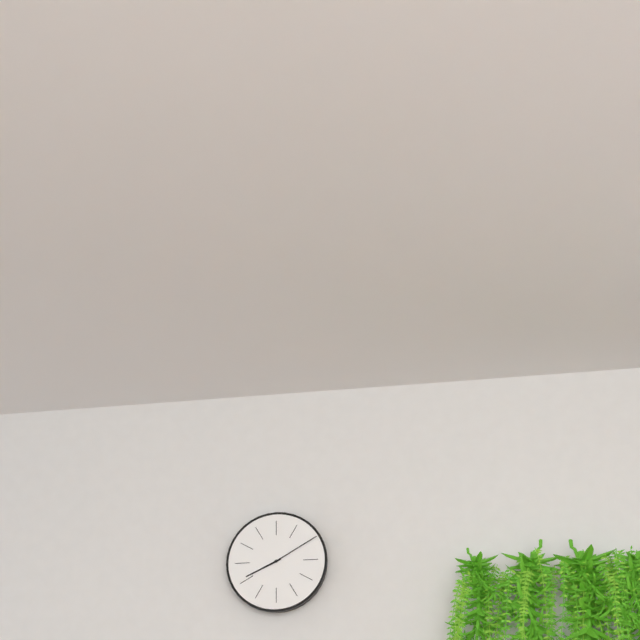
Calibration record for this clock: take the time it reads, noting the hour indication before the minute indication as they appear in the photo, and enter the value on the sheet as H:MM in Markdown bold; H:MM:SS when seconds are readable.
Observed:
**8:10**
